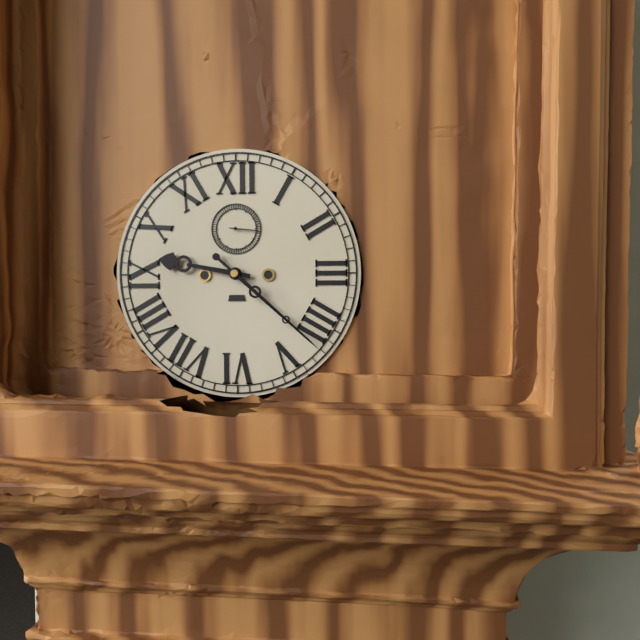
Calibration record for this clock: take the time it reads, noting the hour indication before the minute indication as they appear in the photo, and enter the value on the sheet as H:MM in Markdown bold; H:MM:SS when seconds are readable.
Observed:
**9:22**
